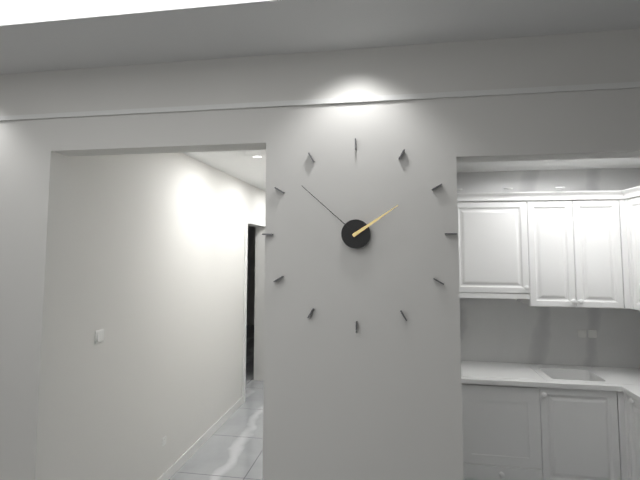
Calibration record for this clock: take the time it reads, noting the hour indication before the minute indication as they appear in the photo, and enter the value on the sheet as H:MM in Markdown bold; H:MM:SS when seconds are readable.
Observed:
**1:52**
